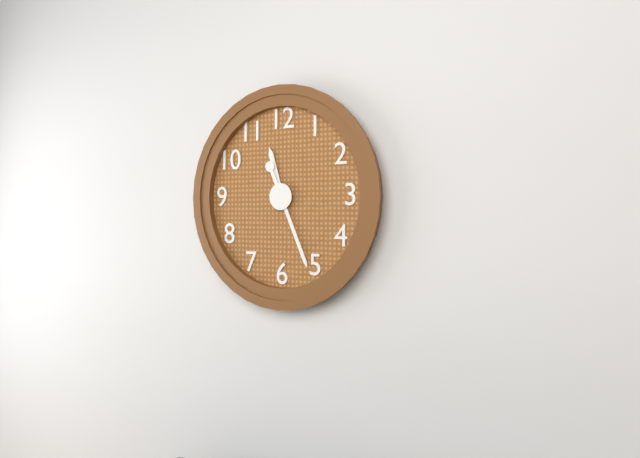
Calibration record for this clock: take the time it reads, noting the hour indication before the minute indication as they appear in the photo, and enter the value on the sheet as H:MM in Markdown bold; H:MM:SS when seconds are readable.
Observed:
**11:26**
